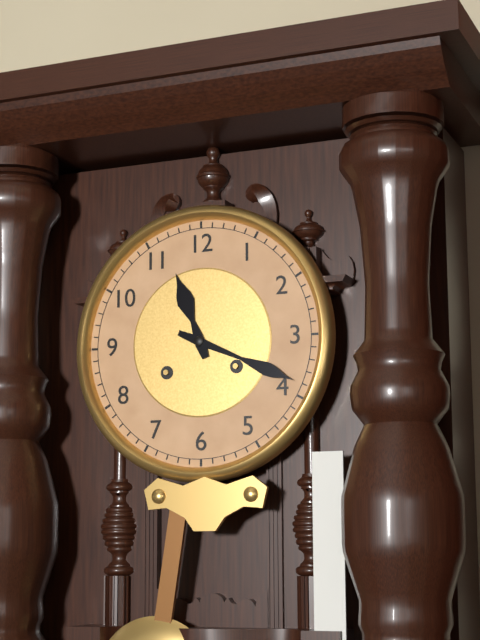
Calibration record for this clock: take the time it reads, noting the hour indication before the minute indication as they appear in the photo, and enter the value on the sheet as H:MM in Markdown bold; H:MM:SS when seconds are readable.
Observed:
**11:19**
